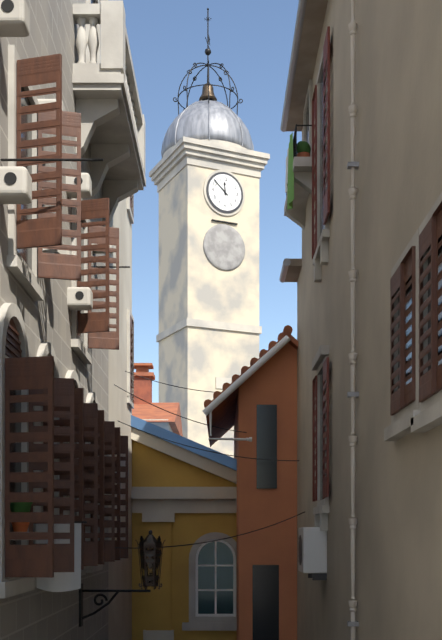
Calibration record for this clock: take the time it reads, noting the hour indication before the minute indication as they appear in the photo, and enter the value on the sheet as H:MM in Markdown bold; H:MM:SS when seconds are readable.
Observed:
**11:52**
